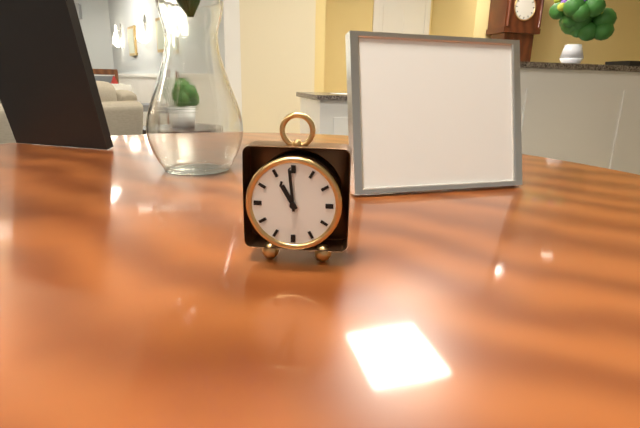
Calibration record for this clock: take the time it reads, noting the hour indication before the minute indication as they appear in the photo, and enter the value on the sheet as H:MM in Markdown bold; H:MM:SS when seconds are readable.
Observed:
**10:59**
